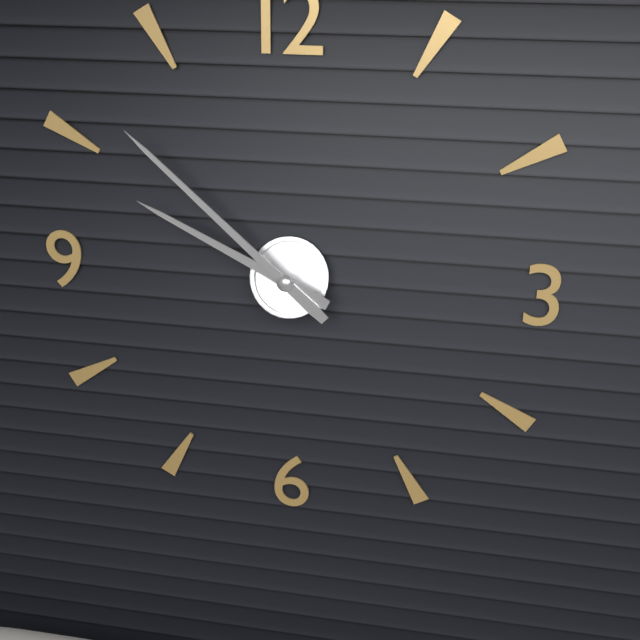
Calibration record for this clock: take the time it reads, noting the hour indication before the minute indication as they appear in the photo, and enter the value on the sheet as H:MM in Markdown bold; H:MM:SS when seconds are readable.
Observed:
**9:52**
